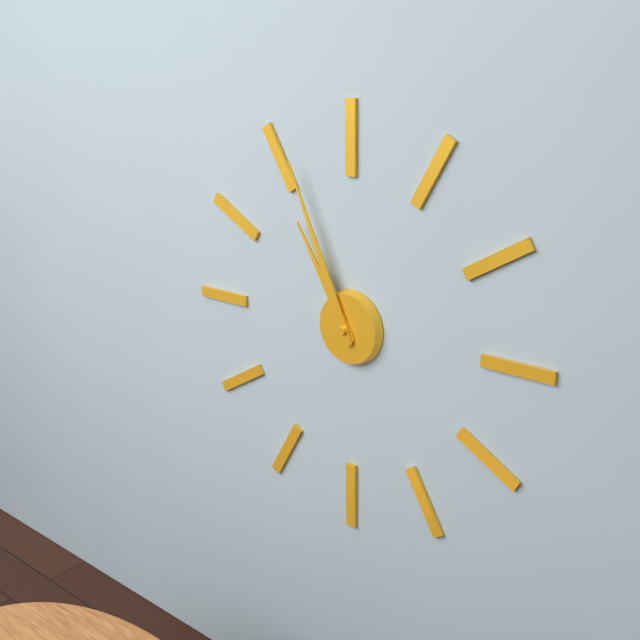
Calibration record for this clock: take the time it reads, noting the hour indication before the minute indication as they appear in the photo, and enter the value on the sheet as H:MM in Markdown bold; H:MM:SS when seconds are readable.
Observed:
**10:56**
